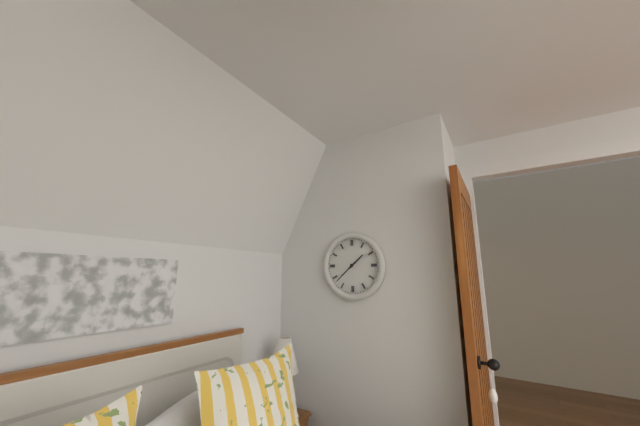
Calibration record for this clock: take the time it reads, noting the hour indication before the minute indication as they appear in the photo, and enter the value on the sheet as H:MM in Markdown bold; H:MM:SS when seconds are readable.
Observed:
**1:38**
